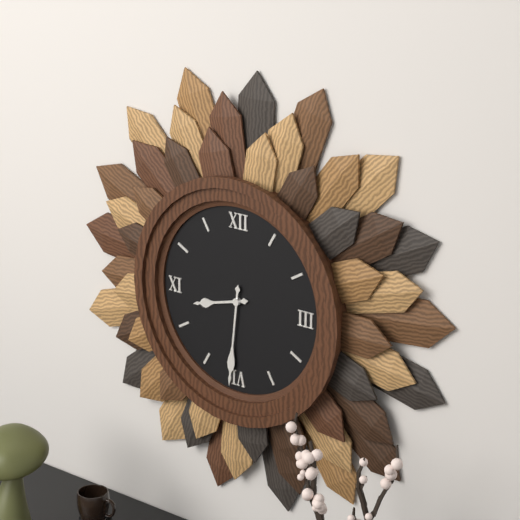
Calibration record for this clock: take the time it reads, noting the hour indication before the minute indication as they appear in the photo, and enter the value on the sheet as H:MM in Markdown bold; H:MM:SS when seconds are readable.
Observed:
**8:31**
